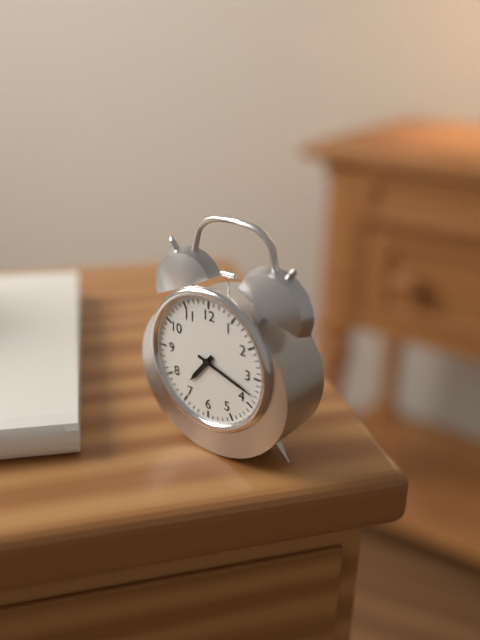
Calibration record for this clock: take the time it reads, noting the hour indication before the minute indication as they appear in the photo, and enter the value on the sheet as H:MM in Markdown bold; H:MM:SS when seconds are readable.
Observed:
**7:18**
